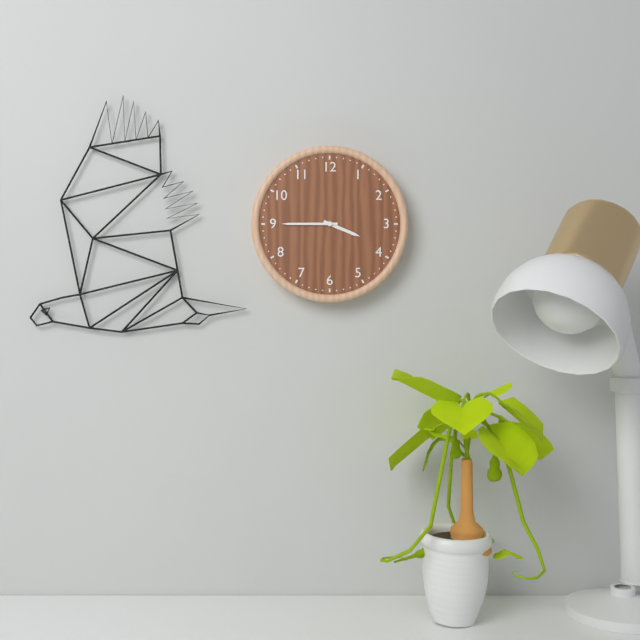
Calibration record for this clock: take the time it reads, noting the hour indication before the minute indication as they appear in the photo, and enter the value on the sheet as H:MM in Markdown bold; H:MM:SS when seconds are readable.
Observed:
**3:45**
